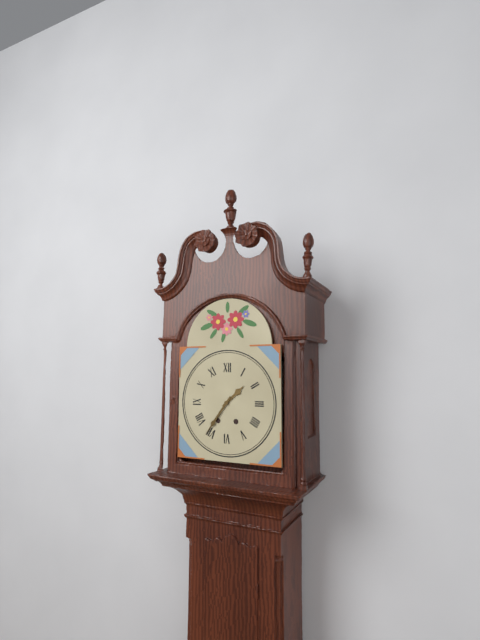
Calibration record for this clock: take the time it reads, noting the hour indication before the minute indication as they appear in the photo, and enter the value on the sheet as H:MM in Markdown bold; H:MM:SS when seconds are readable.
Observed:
**1:36**
